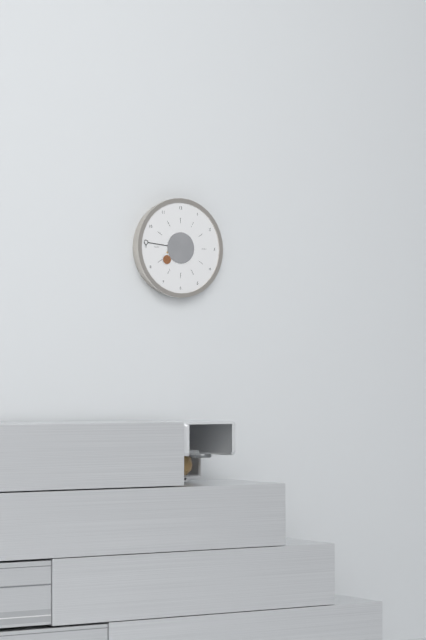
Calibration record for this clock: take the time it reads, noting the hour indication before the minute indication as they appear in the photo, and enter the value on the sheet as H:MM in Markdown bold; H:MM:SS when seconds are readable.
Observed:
**7:46**
